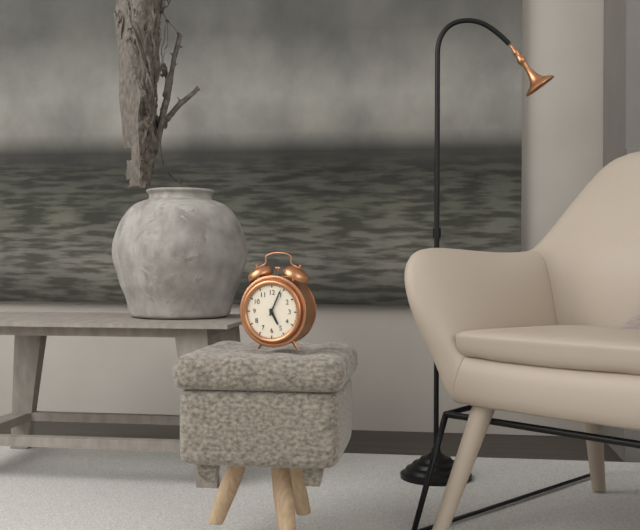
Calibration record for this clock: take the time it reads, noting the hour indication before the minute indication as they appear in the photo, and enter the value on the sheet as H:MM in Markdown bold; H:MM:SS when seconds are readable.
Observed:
**5:04**
